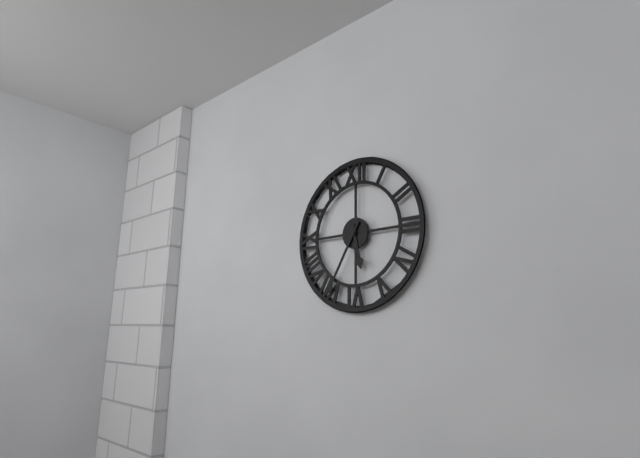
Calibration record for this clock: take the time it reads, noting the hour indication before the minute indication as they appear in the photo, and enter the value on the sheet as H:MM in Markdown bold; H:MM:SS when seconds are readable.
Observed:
**5:35**
